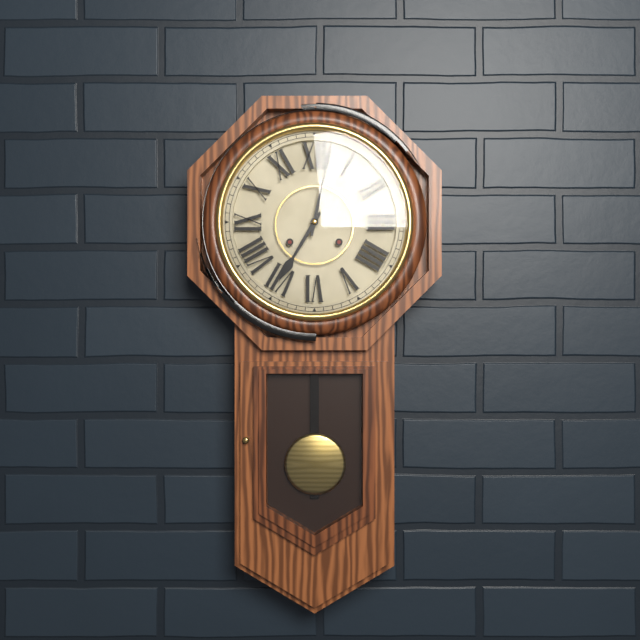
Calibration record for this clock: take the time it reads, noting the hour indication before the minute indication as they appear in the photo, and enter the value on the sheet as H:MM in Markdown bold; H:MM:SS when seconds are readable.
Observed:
**7:02**
